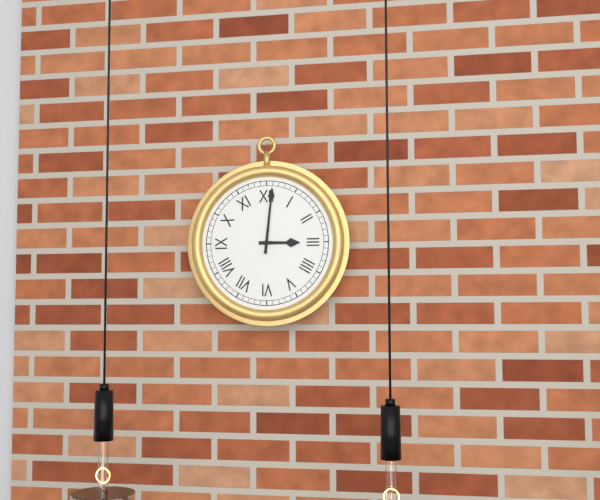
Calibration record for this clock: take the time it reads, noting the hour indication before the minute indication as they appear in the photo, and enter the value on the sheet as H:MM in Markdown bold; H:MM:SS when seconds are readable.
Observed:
**3:01**
